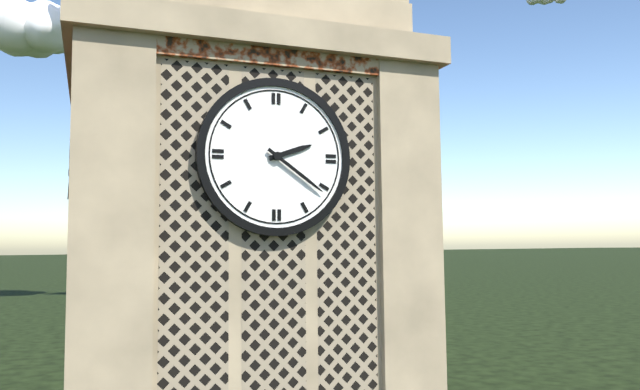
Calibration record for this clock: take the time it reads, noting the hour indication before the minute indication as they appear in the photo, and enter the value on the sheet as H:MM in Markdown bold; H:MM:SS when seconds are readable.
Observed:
**2:21**
